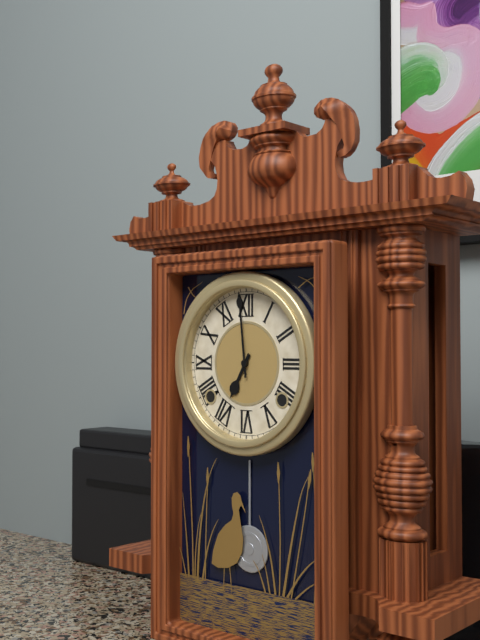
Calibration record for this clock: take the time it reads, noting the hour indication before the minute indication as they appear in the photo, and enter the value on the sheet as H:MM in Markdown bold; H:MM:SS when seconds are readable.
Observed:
**6:59**
